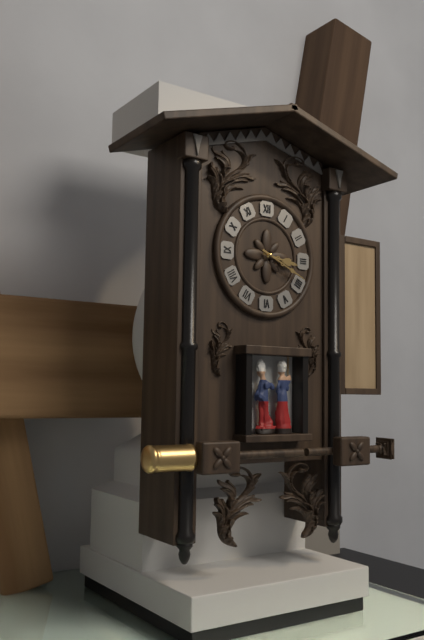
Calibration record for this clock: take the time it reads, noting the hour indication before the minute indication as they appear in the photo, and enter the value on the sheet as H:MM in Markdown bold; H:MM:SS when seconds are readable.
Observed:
**3:19**
